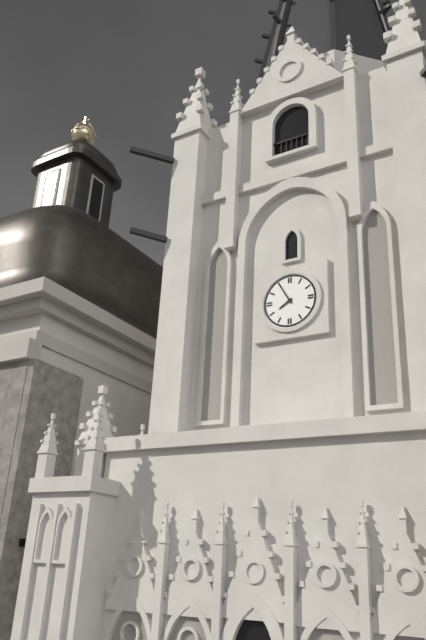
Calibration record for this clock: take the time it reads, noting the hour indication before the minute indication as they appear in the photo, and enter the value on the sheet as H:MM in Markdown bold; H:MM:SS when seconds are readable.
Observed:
**7:55**
